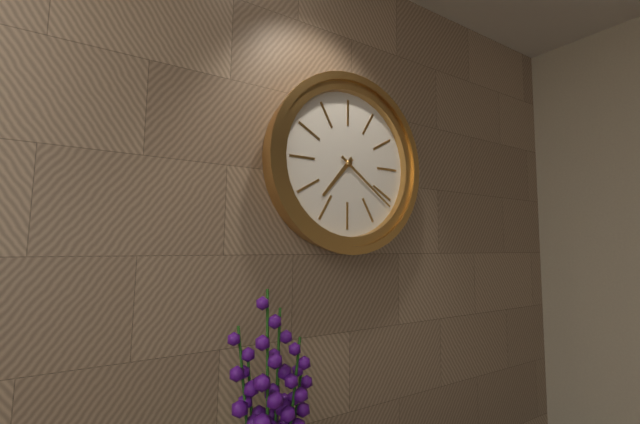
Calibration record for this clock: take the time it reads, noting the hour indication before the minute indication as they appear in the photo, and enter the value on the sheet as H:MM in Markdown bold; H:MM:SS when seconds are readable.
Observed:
**7:21**
